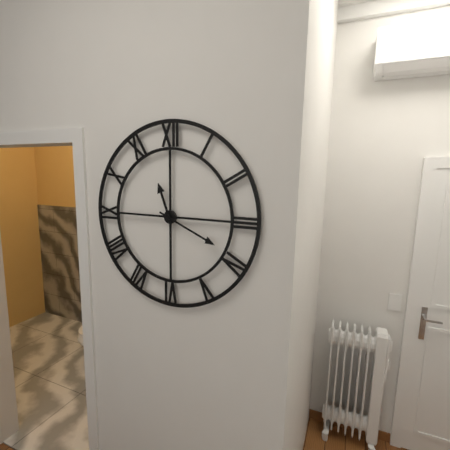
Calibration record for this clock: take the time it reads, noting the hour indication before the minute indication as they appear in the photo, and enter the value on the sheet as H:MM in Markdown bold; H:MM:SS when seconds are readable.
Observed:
**11:19**
